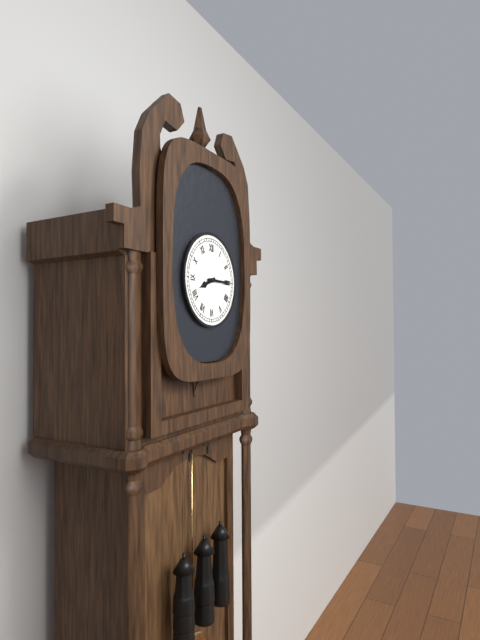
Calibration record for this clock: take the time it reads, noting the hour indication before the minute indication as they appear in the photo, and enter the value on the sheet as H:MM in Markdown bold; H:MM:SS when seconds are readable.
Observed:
**8:15**
